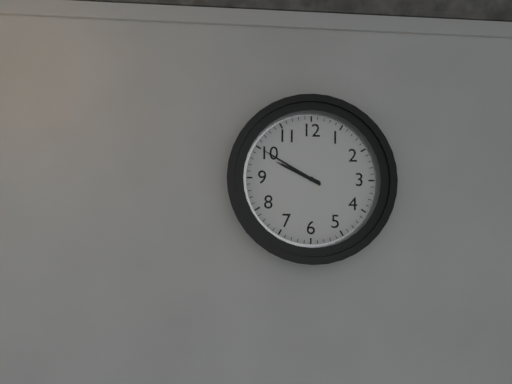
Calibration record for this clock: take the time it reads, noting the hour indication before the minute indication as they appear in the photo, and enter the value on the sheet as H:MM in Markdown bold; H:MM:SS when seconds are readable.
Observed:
**9:50**
